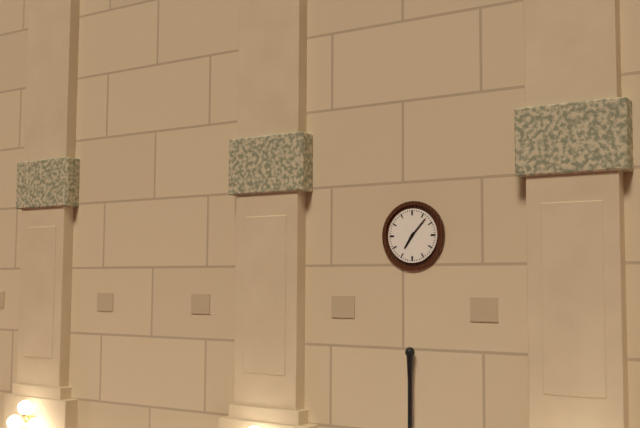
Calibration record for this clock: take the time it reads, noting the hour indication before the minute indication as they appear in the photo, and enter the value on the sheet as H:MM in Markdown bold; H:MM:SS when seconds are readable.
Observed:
**7:07**
